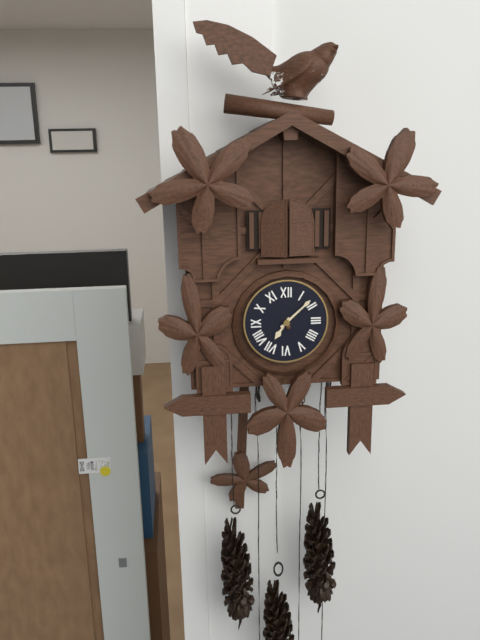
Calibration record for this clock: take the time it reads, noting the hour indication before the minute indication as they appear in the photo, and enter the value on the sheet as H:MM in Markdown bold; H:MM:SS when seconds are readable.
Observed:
**7:08**
